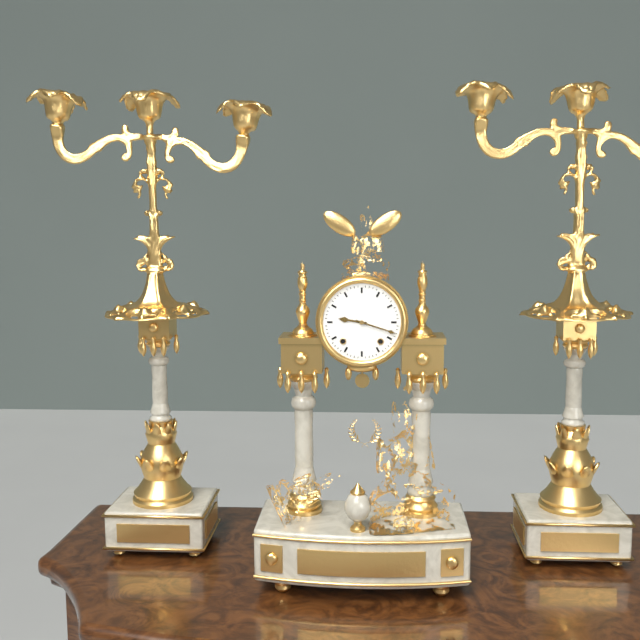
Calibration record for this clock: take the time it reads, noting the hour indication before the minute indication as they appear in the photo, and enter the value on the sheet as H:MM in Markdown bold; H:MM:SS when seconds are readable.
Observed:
**9:18**
